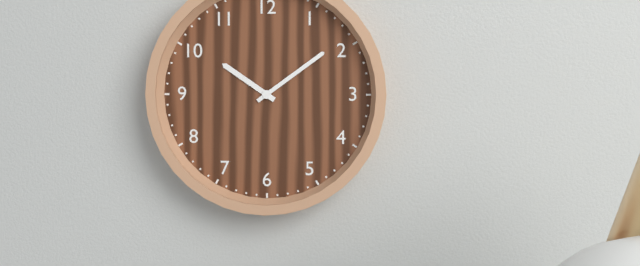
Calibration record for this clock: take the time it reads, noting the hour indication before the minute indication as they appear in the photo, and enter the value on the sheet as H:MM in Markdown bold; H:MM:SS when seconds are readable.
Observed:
**10:09**
